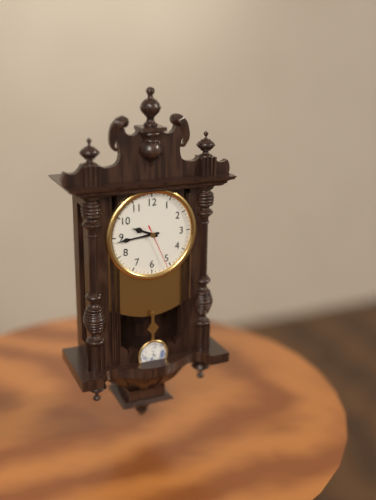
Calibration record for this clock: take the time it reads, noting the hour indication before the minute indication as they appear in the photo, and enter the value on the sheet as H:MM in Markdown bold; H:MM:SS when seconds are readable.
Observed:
**9:44**
